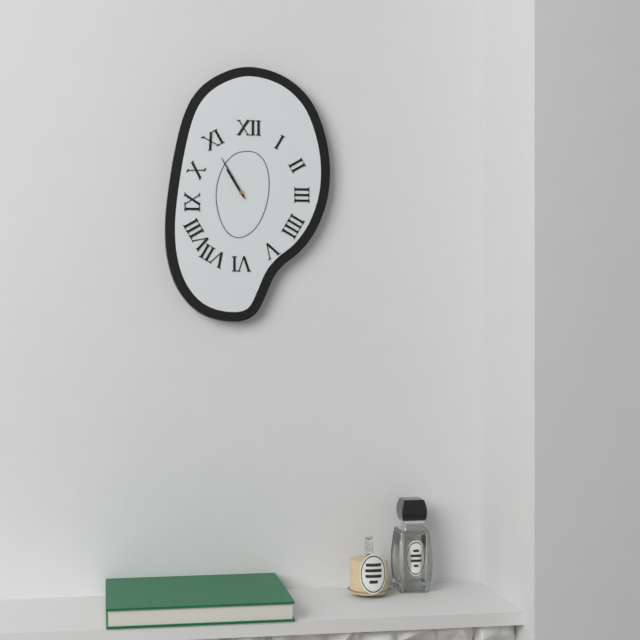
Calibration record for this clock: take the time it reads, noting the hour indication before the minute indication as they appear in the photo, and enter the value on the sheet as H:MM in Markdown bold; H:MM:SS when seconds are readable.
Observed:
**10:55**
